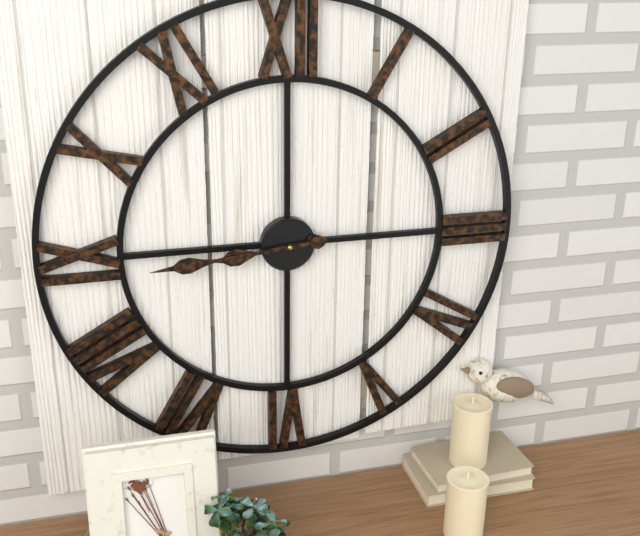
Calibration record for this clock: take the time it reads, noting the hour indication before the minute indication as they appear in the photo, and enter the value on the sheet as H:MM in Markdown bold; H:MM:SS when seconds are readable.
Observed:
**8:44**
